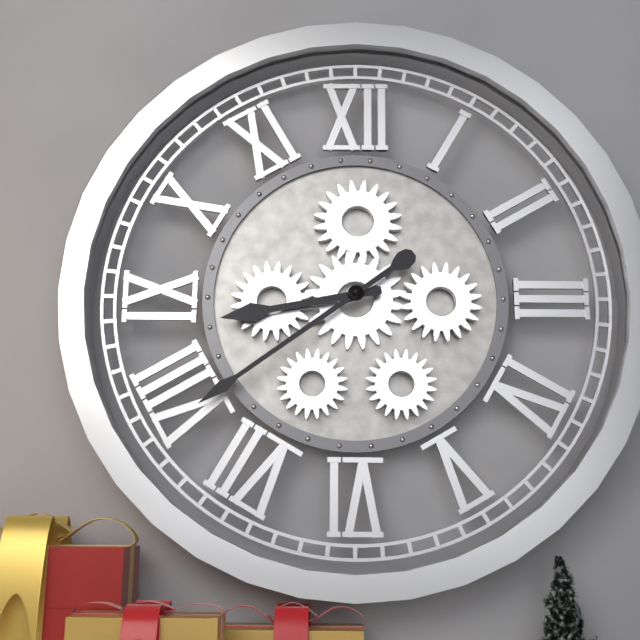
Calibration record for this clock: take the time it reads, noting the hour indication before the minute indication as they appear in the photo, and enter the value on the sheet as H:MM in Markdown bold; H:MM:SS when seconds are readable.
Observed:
**8:39**
